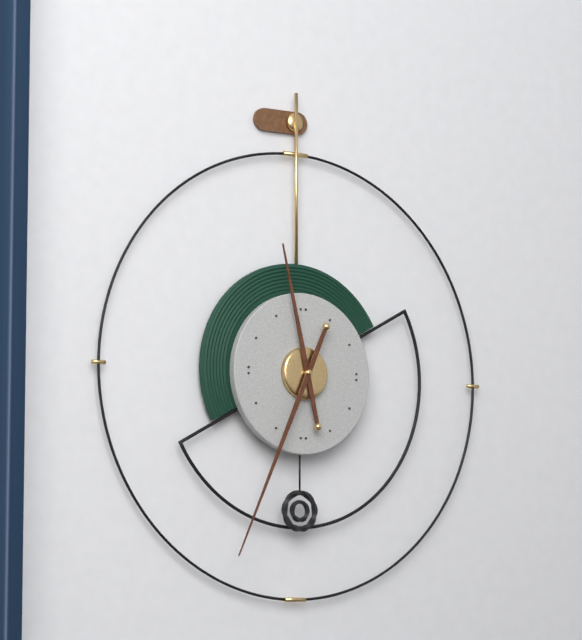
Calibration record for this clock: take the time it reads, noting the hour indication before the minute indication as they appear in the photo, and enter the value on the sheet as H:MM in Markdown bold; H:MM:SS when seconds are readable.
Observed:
**11:34**
